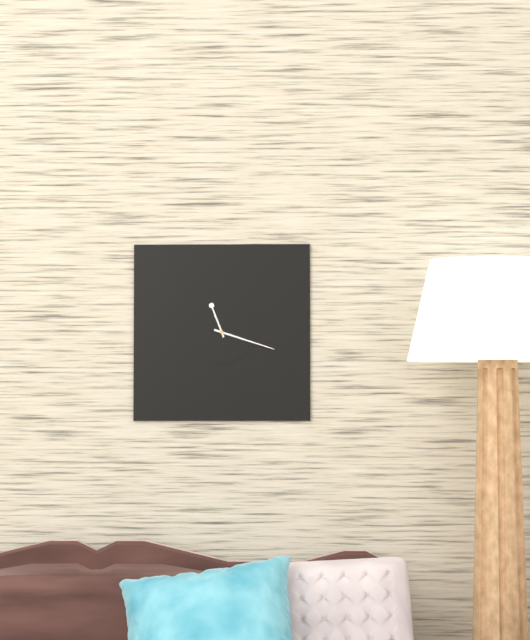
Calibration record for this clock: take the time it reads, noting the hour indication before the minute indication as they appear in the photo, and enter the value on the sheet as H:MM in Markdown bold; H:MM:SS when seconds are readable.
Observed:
**11:18**
